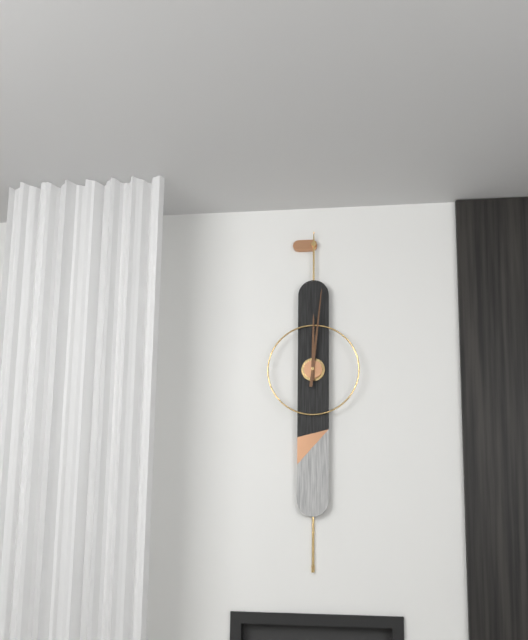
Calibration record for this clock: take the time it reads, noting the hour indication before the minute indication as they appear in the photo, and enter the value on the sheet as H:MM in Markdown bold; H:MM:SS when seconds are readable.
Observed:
**12:01**
